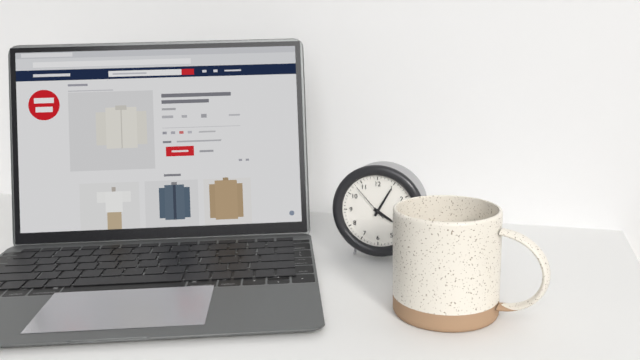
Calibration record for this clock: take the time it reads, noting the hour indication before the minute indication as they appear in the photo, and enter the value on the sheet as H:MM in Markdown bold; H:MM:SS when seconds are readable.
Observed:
**4:05**
